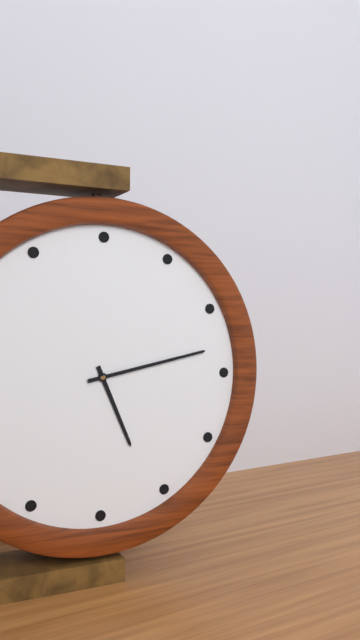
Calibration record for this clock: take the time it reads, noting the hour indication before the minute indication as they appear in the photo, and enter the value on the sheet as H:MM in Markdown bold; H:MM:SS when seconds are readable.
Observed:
**5:13**
